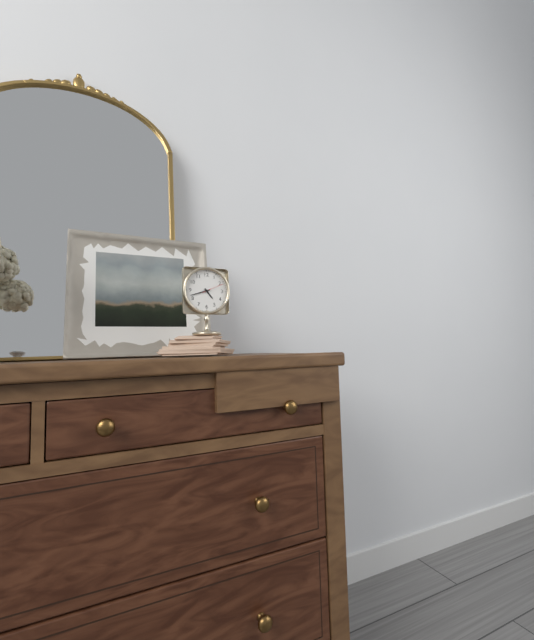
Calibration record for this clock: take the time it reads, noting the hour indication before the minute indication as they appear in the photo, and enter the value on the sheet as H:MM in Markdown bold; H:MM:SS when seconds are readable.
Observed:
**4:42**
